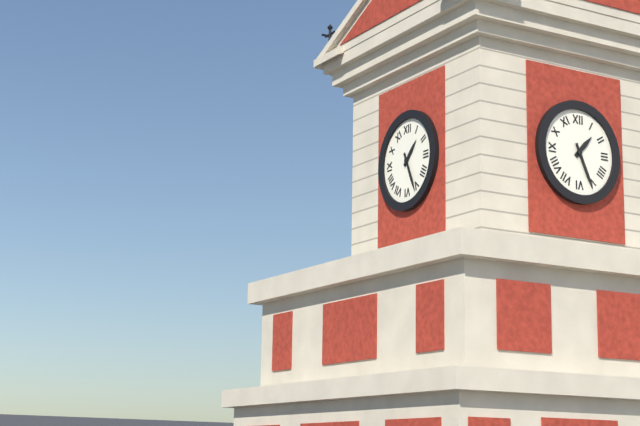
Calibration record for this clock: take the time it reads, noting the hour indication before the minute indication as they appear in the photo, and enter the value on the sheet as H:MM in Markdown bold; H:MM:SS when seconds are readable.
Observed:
**1:26**
